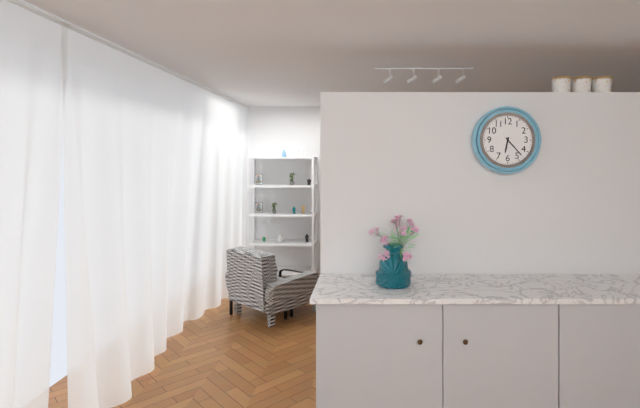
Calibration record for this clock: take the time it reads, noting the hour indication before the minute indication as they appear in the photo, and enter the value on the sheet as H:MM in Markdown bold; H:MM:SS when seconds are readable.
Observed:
**6:23**
